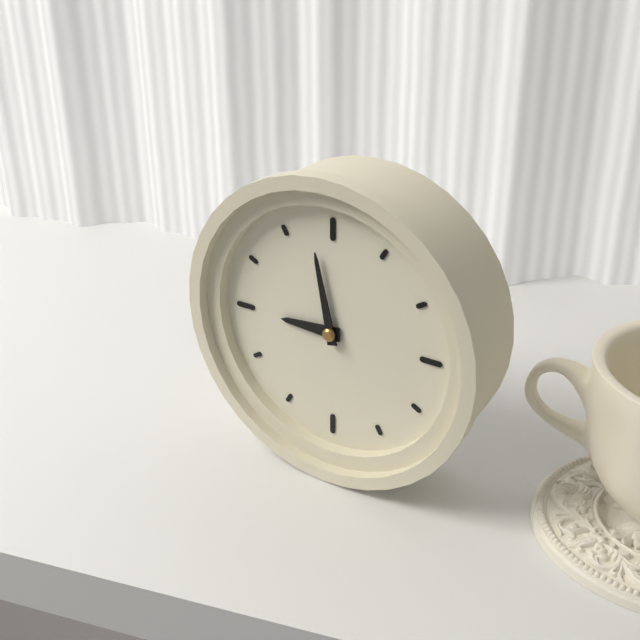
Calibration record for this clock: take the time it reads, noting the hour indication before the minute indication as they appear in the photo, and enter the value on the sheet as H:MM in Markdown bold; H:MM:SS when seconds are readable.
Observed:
**8:58**
